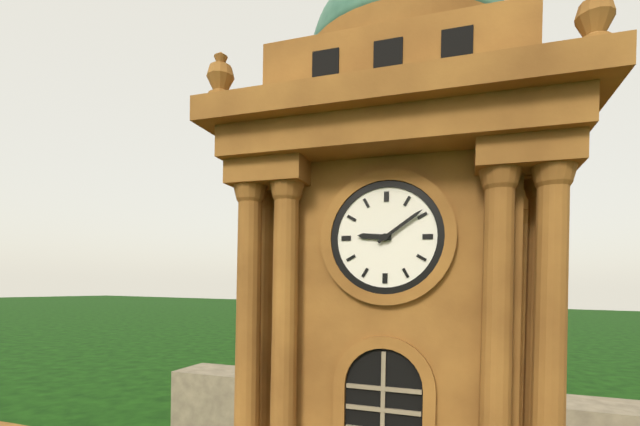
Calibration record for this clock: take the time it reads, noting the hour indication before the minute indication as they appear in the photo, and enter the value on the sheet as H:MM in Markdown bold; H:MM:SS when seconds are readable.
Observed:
**9:09**
